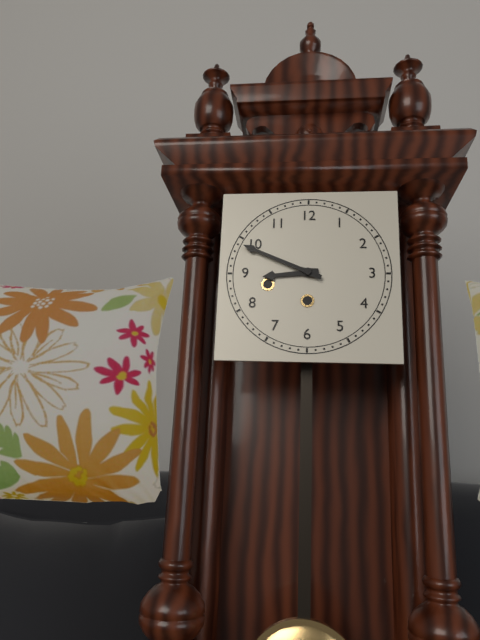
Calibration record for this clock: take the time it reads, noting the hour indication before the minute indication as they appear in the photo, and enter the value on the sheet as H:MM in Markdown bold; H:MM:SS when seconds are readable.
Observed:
**8:49**
